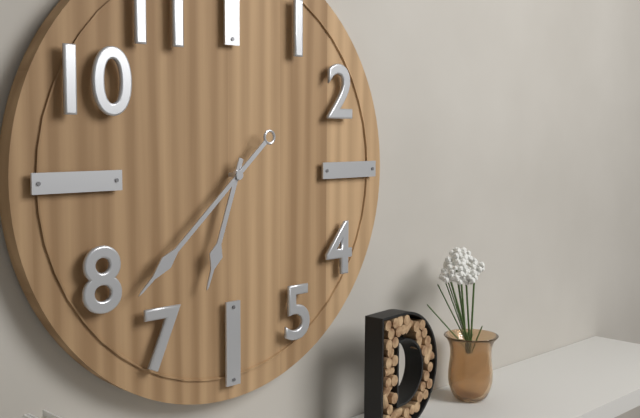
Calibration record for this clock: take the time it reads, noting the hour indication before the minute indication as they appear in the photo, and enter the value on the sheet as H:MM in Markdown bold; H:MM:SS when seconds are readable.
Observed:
**6:38**
